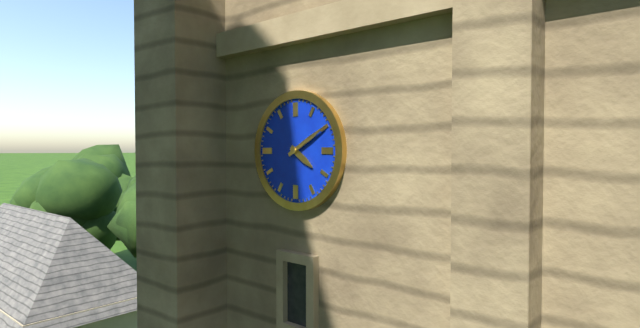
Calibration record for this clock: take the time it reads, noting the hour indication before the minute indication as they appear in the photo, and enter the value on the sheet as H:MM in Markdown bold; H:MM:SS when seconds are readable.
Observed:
**4:10**
